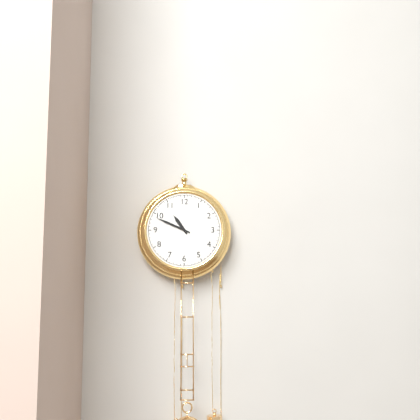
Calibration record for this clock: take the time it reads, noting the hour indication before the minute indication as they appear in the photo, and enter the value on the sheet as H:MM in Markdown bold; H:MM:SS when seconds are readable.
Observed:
**10:49**
